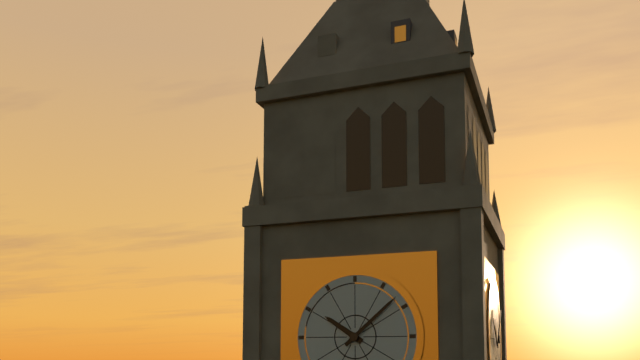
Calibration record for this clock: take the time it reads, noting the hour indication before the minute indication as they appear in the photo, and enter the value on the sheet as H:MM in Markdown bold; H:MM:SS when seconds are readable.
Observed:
**10:08**
